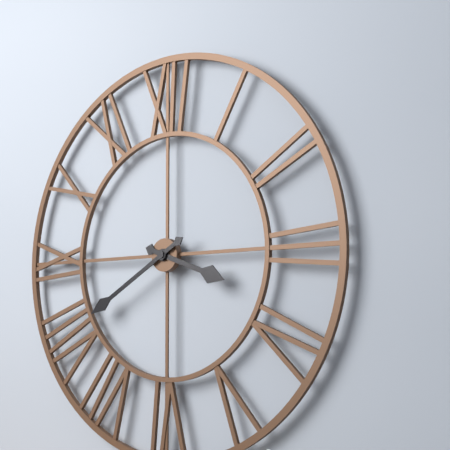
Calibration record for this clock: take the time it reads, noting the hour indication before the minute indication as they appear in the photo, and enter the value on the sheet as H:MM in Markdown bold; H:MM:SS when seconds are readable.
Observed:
**3:40**
